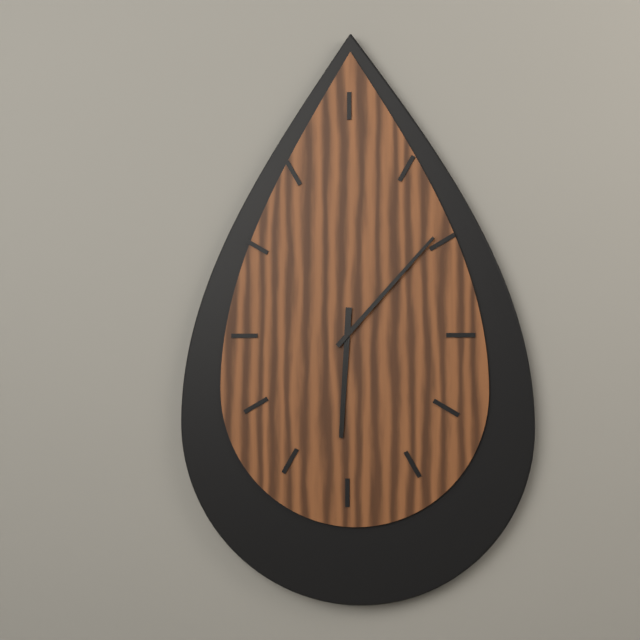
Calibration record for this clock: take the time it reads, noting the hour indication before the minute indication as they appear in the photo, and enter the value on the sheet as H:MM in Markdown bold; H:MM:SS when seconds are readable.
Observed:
**6:07**
